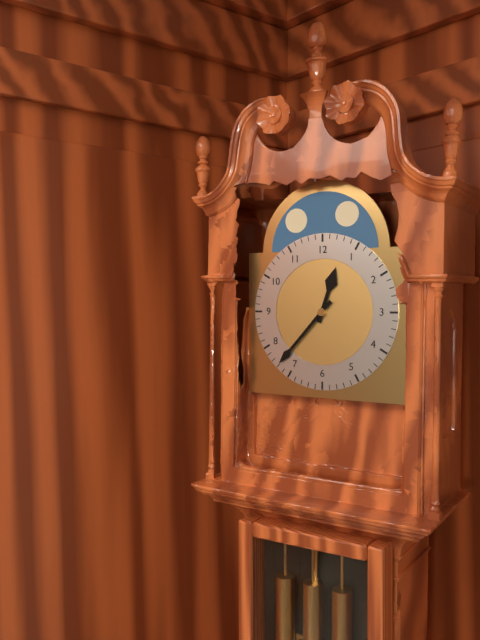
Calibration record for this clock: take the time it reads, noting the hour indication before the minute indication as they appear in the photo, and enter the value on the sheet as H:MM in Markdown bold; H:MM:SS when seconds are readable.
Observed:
**12:37**
